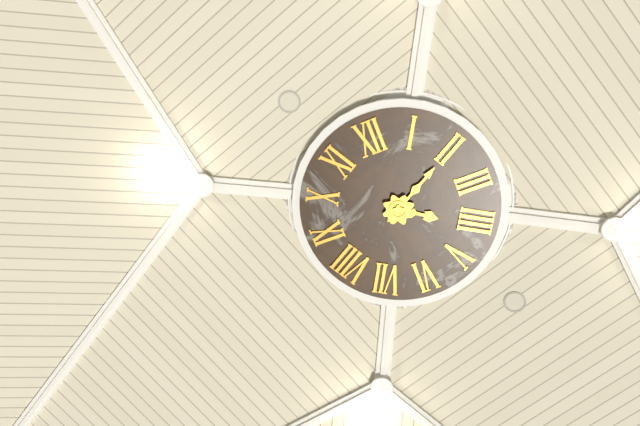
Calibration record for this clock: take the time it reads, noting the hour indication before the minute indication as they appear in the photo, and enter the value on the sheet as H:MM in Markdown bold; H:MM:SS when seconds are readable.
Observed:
**4:10**
